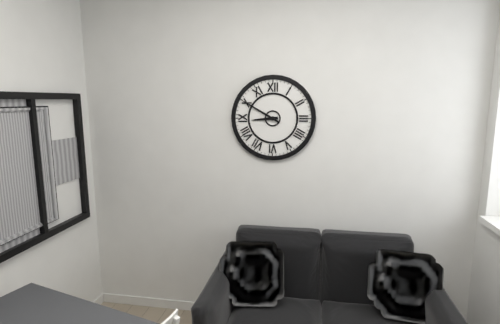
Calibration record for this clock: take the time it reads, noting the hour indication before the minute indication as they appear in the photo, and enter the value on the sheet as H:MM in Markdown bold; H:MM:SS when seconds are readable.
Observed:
**8:50**
